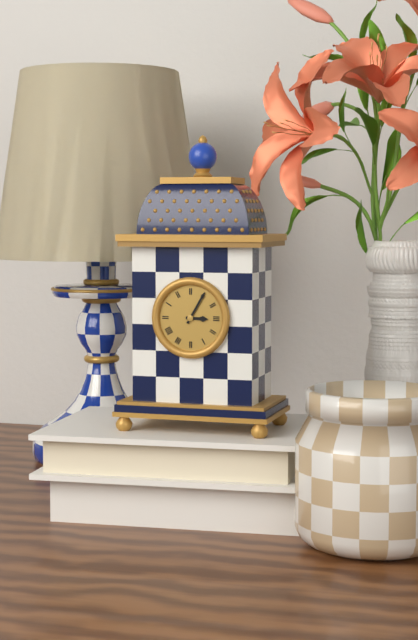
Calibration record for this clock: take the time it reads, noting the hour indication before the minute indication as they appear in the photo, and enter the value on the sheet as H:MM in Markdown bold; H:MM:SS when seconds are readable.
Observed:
**3:05**
